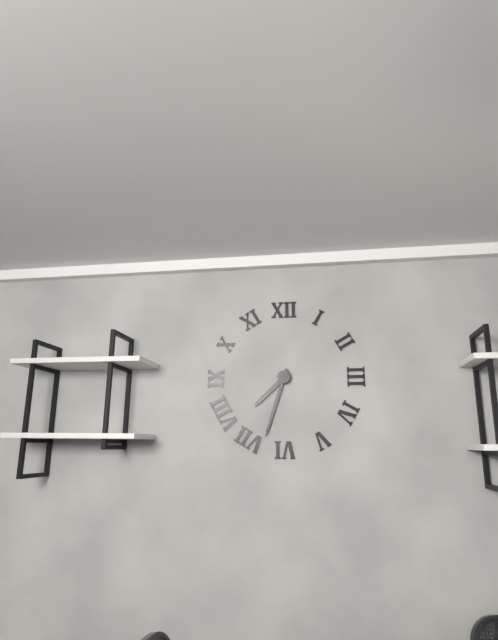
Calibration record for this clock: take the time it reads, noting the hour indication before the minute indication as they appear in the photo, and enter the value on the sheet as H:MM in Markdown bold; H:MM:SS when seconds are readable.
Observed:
**7:33**
